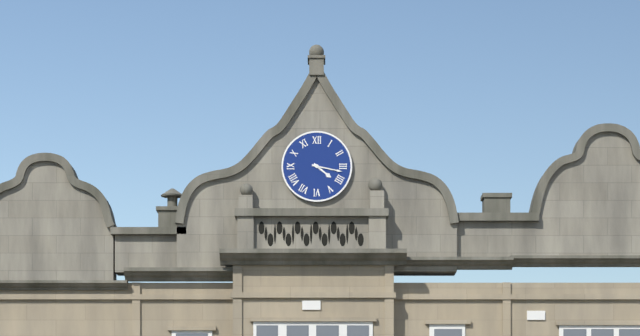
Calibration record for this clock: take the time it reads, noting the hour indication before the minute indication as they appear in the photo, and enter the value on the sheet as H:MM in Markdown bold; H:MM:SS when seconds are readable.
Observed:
**4:17**
